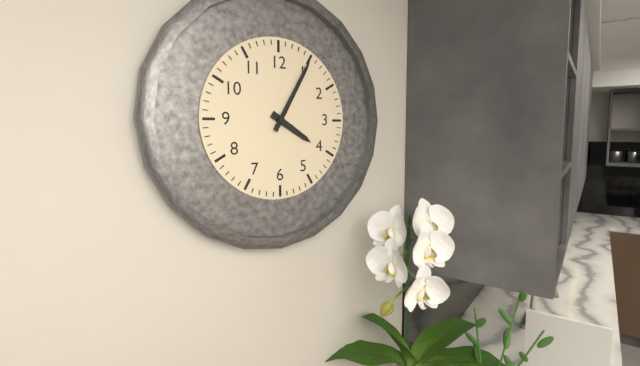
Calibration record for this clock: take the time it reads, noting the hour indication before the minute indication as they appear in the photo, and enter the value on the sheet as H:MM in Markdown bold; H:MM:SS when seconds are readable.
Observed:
**4:05**
